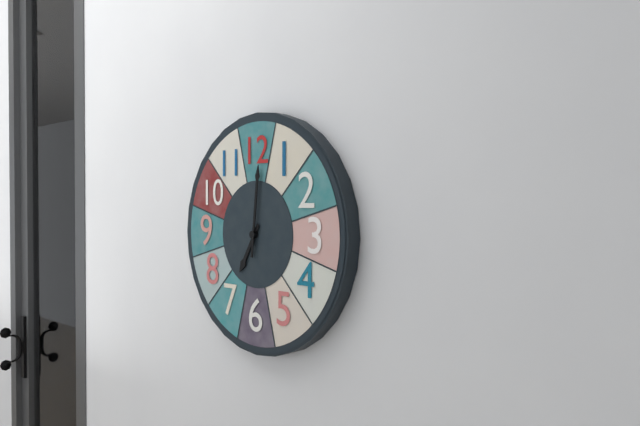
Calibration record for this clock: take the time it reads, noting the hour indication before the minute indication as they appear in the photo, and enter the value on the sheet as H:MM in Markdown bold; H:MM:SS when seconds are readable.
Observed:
**7:01**
